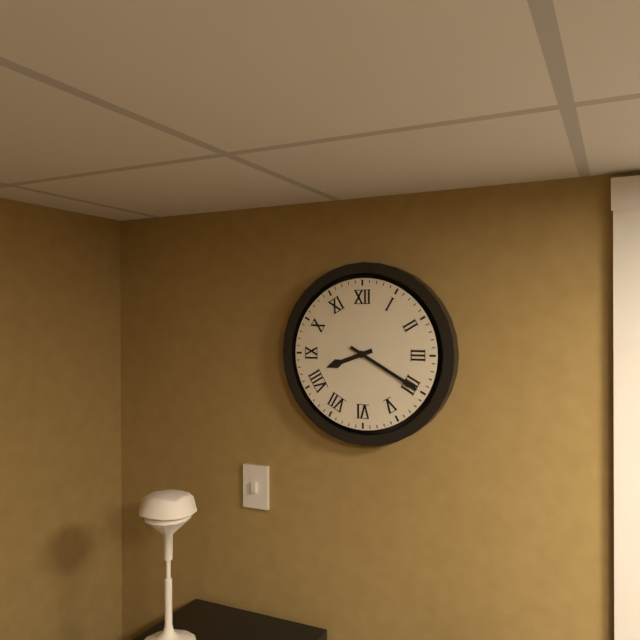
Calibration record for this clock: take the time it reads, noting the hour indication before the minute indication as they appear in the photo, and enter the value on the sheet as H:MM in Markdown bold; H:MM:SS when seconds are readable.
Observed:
**8:20**
